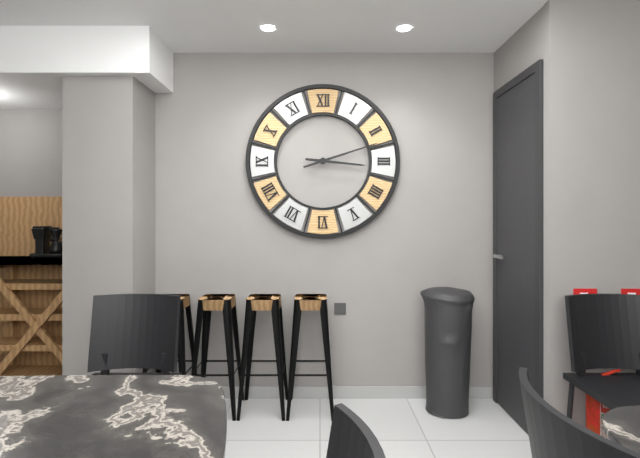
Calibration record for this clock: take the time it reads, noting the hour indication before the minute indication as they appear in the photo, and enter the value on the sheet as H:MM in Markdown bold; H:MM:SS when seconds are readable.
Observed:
**3:12**
